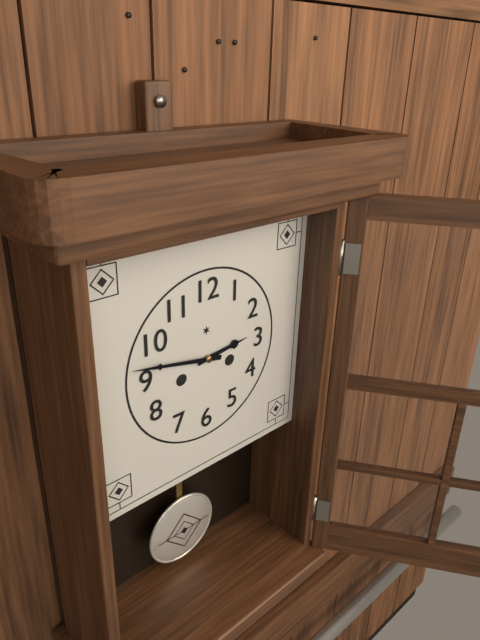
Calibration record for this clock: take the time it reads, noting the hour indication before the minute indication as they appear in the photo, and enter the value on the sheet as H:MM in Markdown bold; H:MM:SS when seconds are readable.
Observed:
**2:47**
